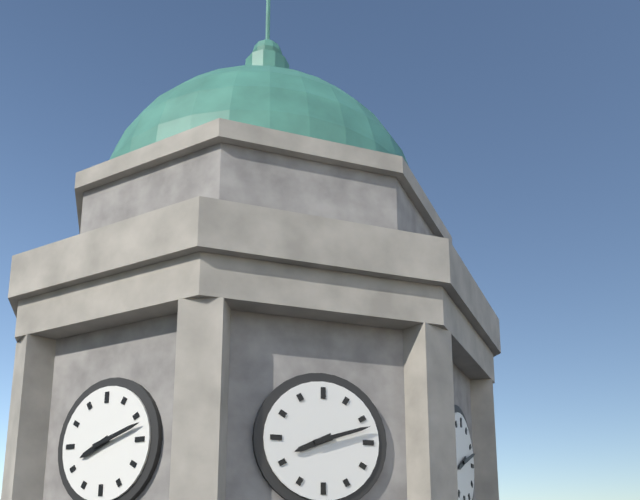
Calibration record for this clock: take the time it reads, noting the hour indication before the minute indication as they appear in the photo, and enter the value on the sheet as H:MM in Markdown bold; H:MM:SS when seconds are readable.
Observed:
**8:12**
